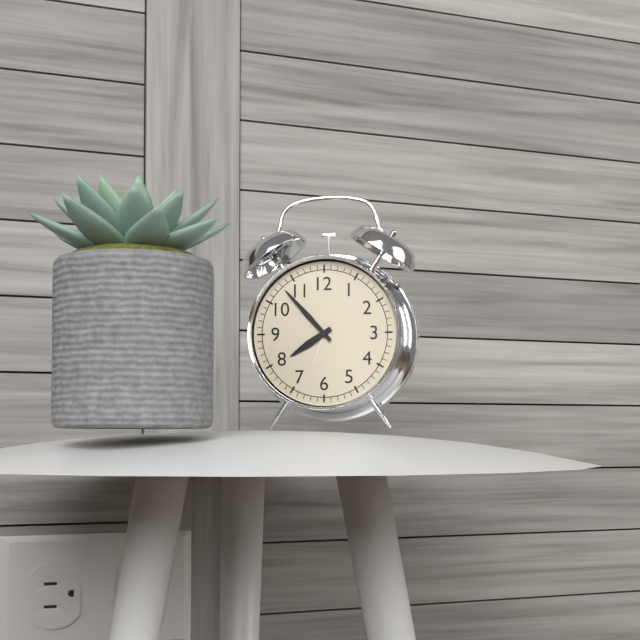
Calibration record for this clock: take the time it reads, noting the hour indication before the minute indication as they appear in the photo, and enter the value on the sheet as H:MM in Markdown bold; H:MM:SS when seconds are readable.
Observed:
**7:53**
